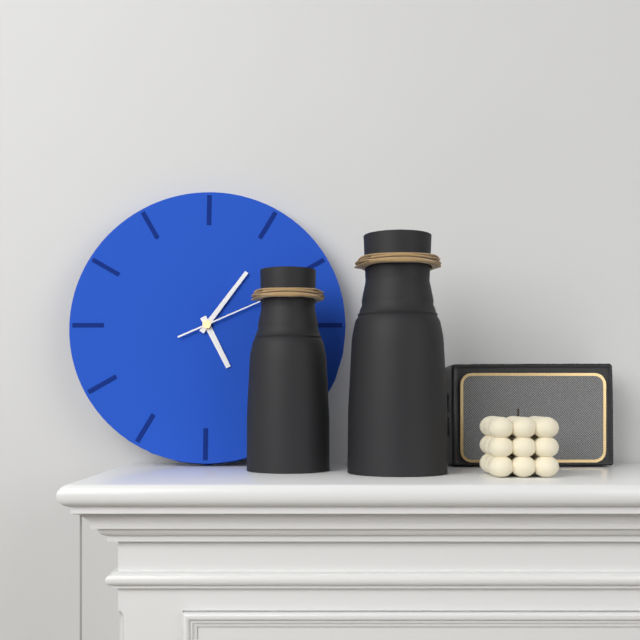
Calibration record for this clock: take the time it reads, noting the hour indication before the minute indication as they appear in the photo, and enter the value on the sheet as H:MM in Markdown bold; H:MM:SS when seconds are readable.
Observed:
**5:06**
